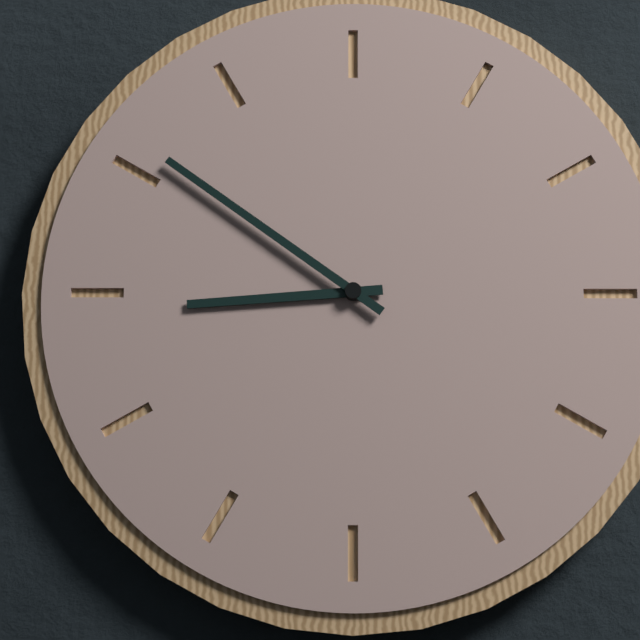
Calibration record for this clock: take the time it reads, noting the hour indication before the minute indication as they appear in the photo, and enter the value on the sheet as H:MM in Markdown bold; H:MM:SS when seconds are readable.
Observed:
**8:51**
